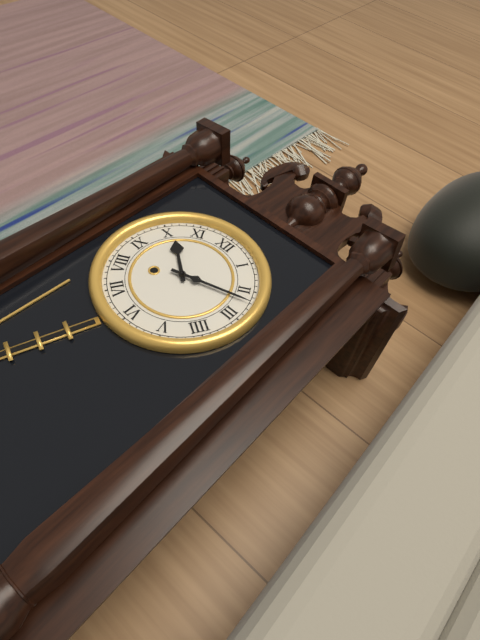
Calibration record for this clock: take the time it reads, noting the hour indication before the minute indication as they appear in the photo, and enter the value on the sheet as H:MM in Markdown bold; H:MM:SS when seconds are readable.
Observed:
**10:12**
